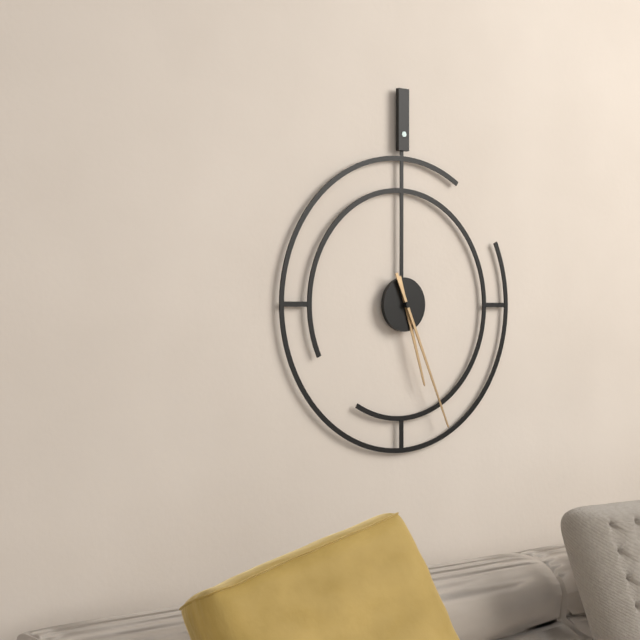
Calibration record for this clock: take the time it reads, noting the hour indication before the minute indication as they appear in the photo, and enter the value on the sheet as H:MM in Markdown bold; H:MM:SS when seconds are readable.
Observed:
**5:26**
